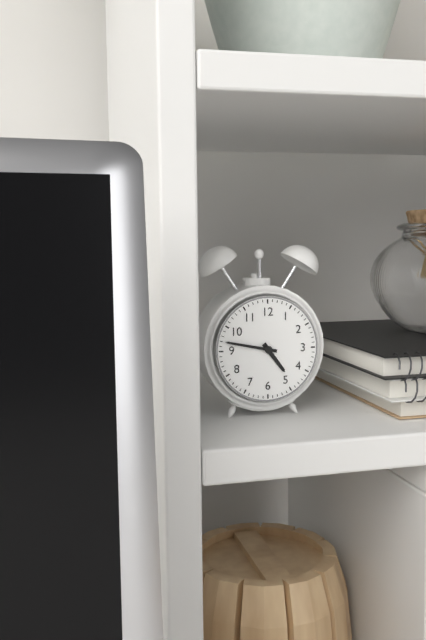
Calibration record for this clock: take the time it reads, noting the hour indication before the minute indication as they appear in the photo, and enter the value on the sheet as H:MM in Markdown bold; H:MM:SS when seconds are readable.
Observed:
**4:47**
